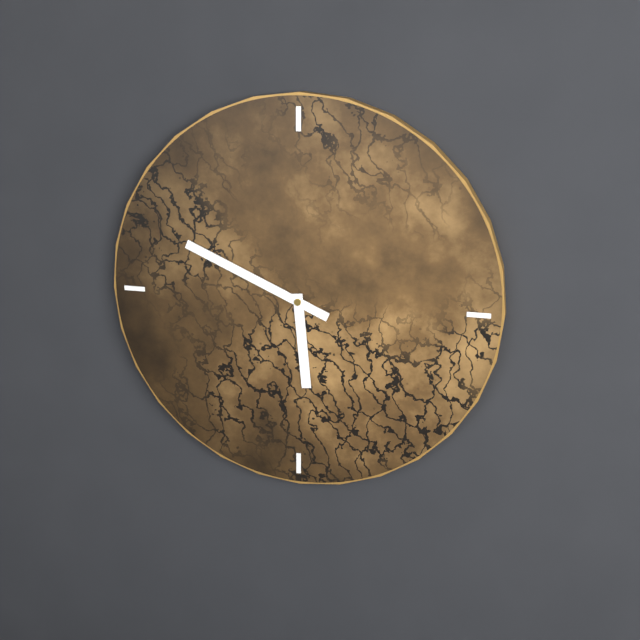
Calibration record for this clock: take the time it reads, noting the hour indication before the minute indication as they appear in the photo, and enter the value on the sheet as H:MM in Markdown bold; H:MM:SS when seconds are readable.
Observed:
**5:49**
